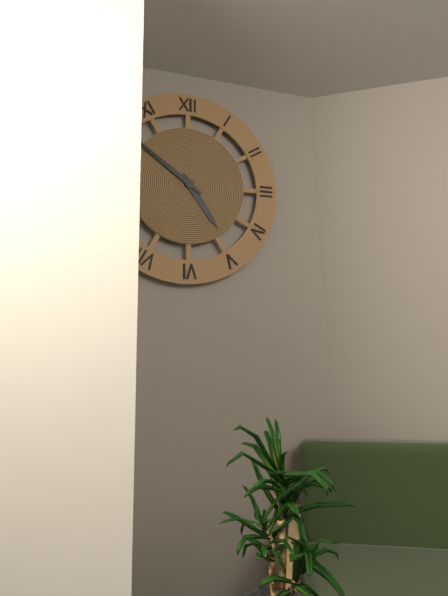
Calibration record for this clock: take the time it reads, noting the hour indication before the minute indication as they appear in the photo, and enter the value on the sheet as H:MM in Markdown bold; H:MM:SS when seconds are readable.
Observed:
**4:51**
